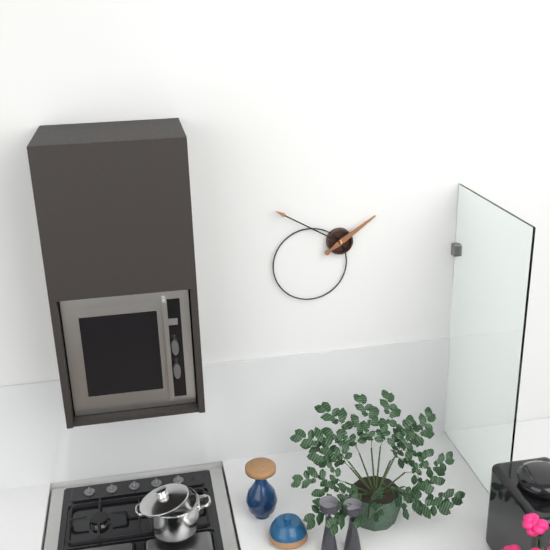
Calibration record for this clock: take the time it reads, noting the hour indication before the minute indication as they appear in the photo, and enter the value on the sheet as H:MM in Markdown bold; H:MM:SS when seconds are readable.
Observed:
**1:50**
